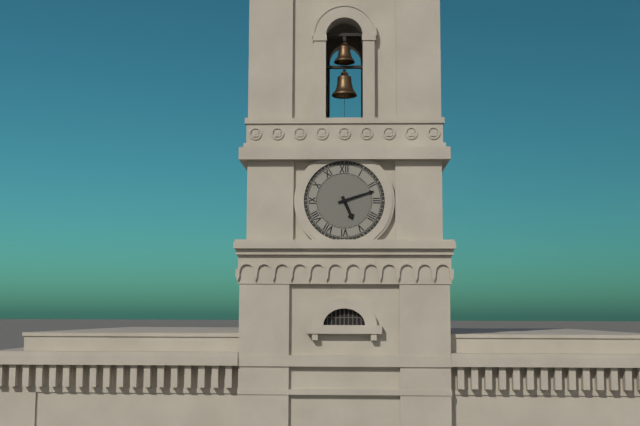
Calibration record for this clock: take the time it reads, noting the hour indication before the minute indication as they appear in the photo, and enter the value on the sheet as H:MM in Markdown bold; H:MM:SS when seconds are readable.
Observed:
**5:12**
